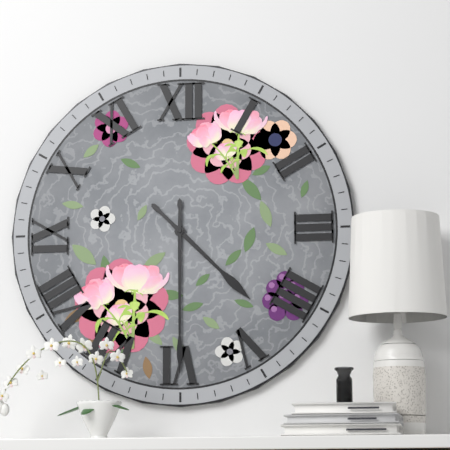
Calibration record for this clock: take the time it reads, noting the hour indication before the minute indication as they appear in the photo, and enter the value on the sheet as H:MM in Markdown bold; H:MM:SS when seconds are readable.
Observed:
**4:30**
